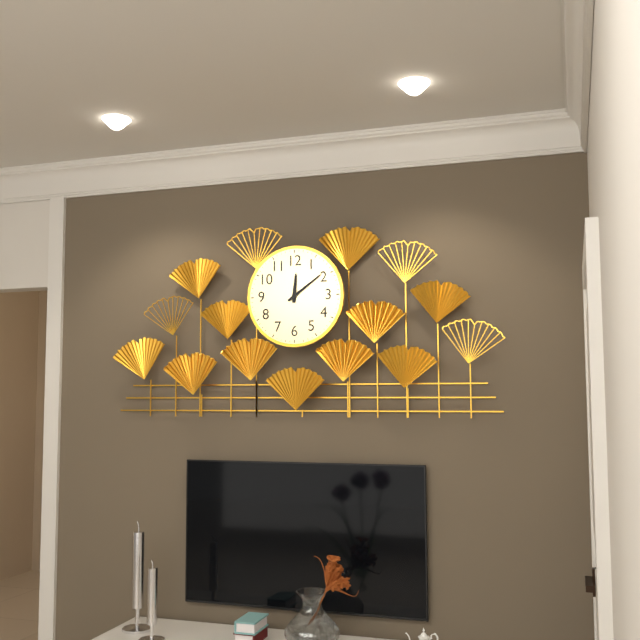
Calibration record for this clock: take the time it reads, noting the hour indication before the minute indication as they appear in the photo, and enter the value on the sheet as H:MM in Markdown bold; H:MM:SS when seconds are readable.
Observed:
**12:09**
